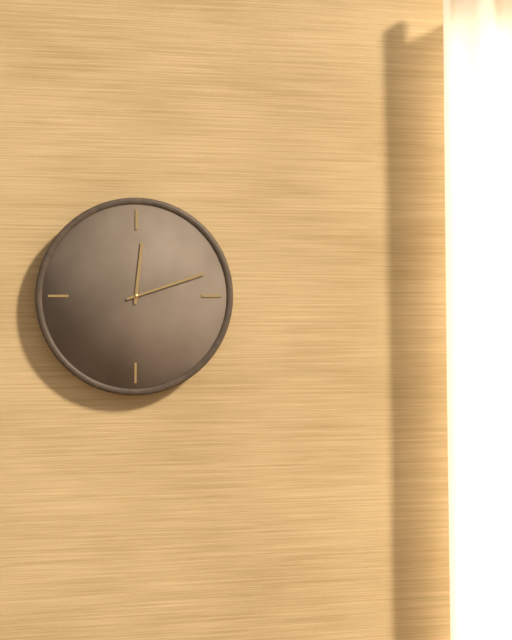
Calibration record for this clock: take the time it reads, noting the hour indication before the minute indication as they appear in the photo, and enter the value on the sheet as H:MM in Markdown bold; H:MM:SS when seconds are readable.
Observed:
**12:12**
